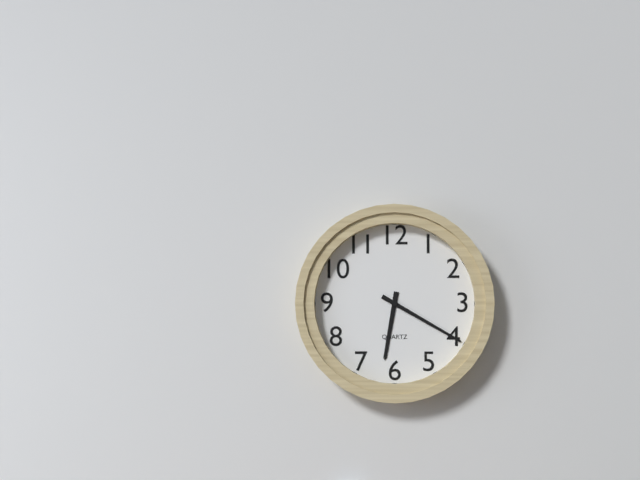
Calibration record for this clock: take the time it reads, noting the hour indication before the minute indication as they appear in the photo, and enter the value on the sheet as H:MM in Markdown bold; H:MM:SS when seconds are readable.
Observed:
**6:20**
